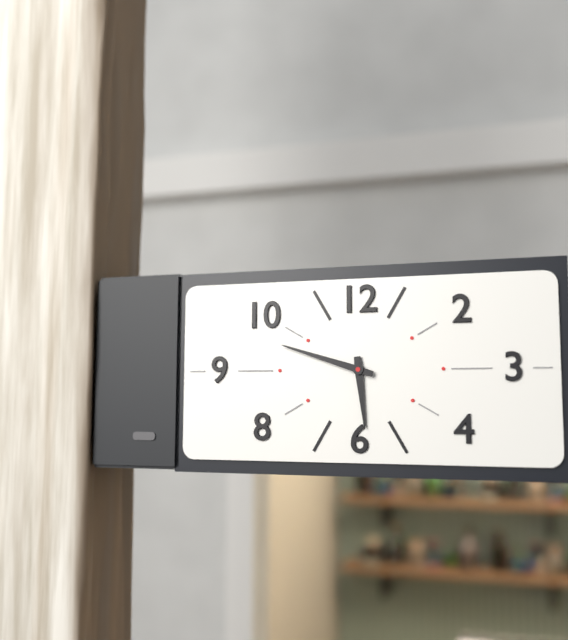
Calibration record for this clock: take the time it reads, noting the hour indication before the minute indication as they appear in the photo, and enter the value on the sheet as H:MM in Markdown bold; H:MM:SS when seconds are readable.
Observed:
**5:48**
